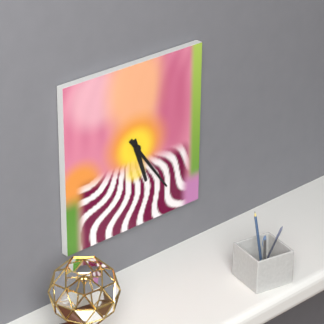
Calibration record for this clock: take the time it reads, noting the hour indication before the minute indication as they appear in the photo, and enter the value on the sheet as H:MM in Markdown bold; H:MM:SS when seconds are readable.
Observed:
**5:24**
